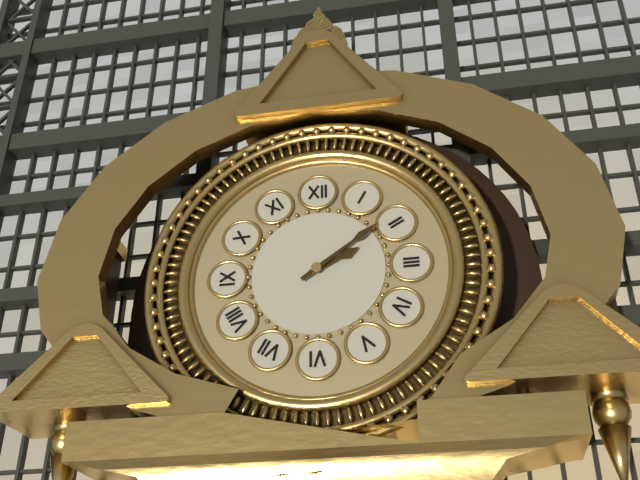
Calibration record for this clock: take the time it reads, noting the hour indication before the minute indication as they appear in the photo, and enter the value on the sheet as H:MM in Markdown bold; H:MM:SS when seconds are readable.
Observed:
**2:09**
